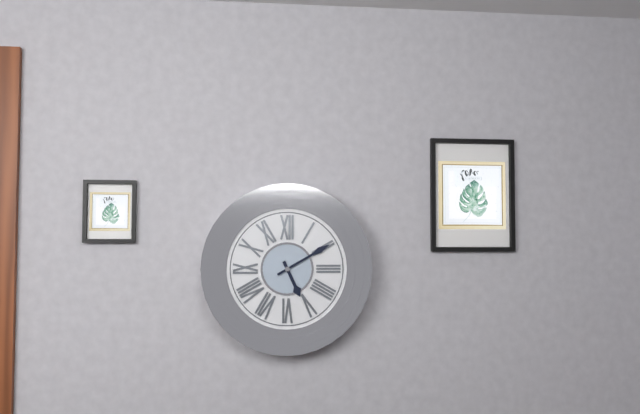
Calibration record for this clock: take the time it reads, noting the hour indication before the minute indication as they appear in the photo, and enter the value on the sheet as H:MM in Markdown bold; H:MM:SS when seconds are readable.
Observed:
**5:10**
